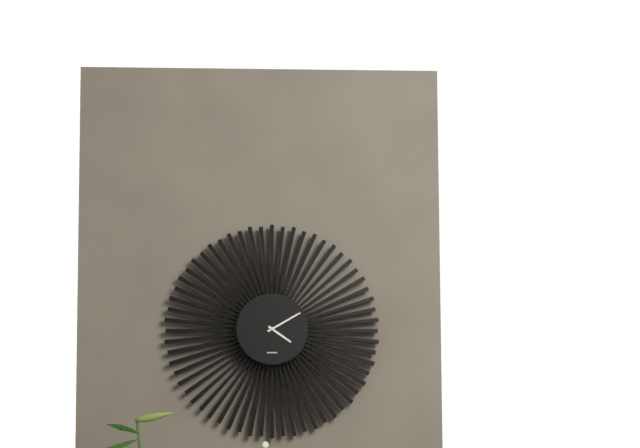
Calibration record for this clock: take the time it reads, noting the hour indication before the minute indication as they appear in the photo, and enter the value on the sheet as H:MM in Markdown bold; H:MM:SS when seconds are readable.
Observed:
**4:10**
